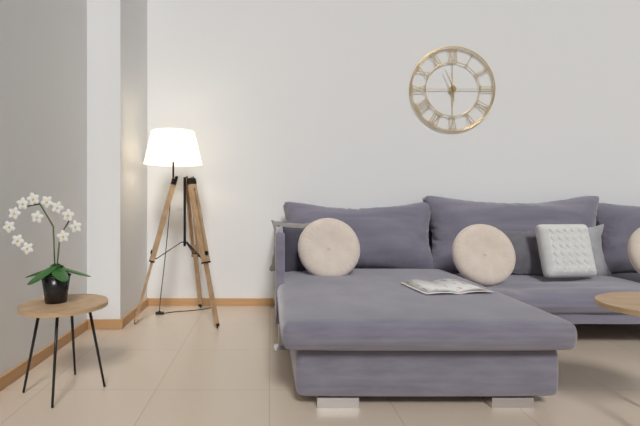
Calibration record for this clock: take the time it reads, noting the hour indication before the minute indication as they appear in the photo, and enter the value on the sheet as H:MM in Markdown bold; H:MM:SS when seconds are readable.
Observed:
**5:56**
